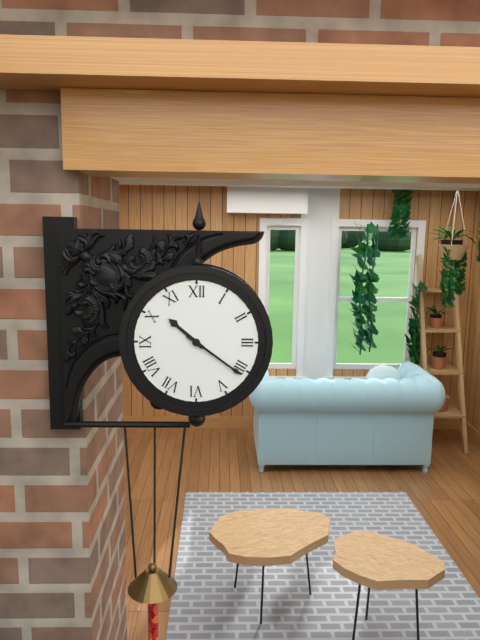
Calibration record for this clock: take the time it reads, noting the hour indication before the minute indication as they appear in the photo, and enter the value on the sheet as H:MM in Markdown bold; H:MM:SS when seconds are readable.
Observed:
**10:21**
